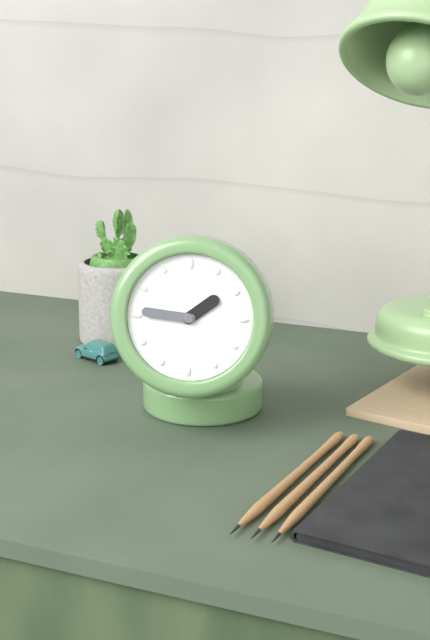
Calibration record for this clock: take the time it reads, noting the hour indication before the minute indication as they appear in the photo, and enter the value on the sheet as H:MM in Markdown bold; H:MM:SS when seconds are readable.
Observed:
**1:46**
